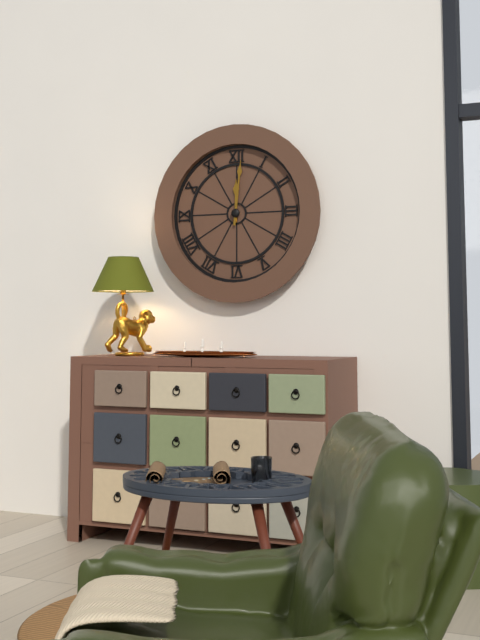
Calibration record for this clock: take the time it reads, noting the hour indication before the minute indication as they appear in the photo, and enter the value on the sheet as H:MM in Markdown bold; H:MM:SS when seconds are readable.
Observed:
**12:01**
